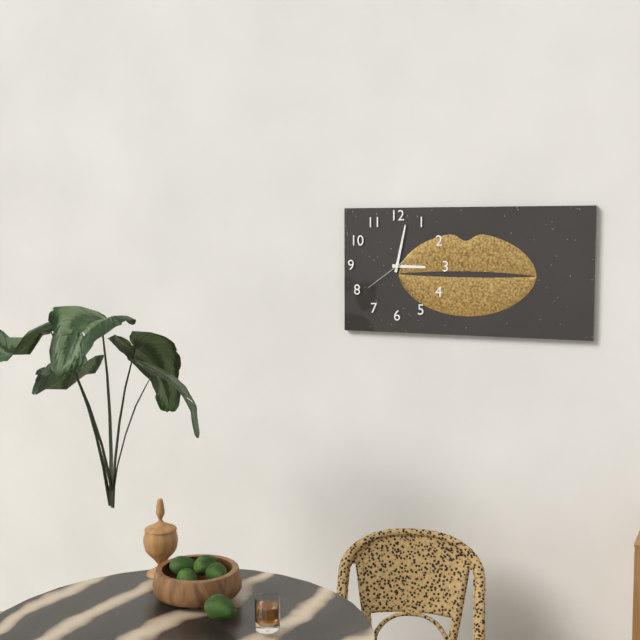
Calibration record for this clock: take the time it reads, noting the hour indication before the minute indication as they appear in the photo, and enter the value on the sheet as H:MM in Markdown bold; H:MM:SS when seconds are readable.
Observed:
**3:02**
